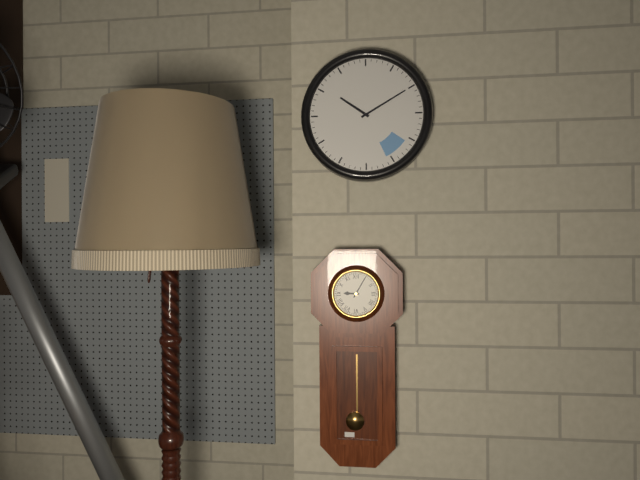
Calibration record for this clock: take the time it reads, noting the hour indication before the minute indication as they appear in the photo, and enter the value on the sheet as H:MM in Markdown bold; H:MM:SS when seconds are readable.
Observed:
**9:05**
